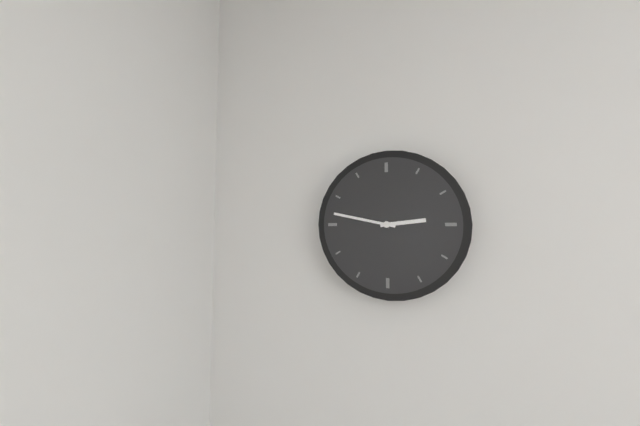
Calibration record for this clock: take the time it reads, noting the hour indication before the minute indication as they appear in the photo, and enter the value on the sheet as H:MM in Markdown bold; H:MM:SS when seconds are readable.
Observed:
**2:47**
